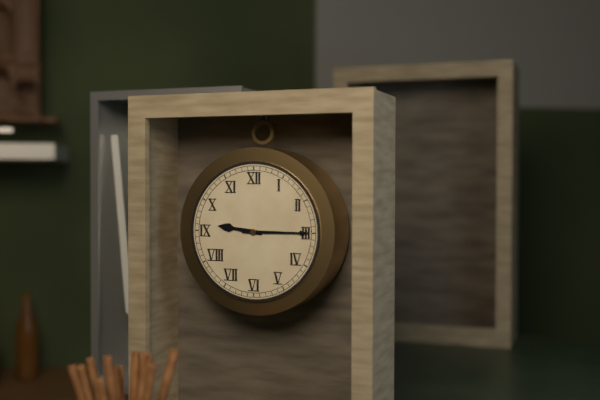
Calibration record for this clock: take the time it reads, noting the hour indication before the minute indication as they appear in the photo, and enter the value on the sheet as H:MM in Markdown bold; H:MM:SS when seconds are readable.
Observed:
**9:15**
